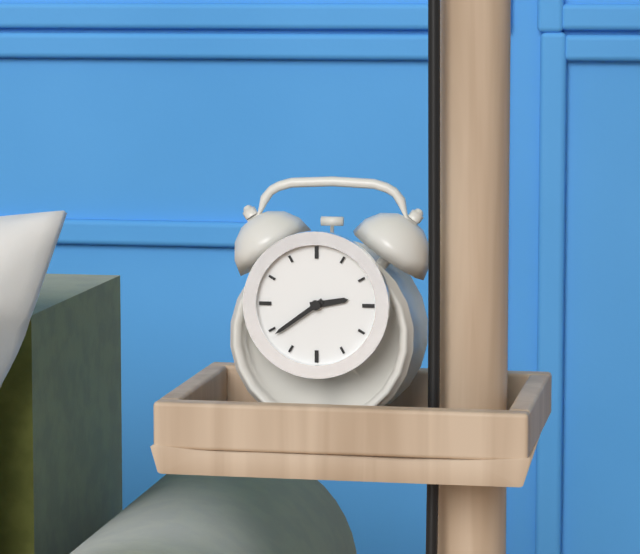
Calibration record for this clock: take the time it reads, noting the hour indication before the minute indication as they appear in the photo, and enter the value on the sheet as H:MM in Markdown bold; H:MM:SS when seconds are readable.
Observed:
**2:39**
